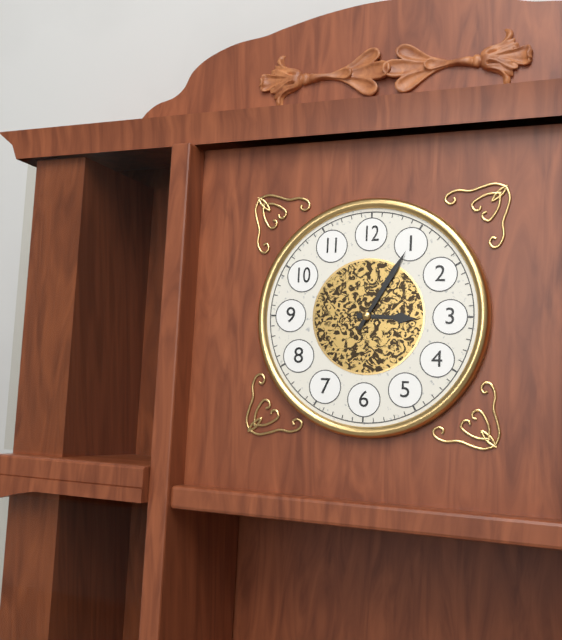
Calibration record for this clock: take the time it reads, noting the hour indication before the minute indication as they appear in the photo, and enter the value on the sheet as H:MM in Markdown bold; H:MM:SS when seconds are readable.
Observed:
**3:05**
